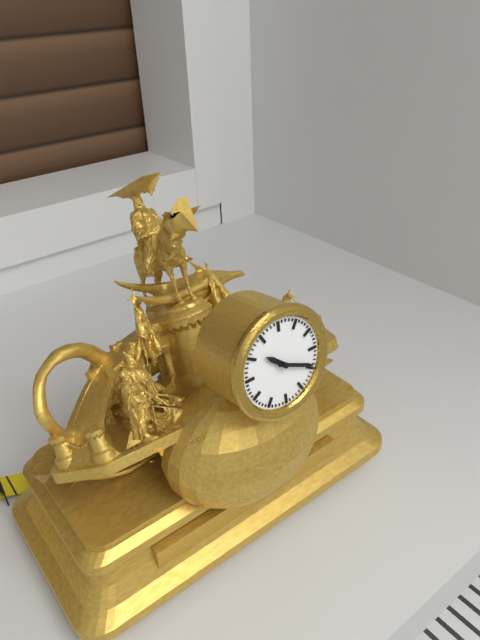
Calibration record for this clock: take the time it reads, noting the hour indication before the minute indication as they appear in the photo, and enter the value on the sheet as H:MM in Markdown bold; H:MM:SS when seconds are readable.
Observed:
**10:19**
